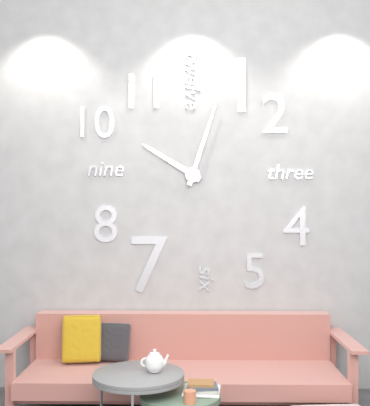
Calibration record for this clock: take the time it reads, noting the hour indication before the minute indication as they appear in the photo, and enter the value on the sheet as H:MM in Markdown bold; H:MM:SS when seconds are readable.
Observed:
**10:03**
